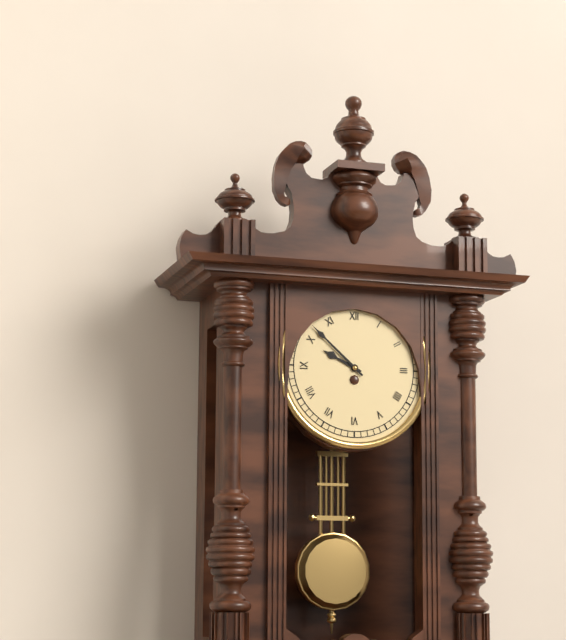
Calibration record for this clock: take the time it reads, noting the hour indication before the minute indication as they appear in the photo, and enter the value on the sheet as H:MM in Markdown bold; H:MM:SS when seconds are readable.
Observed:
**9:52**
